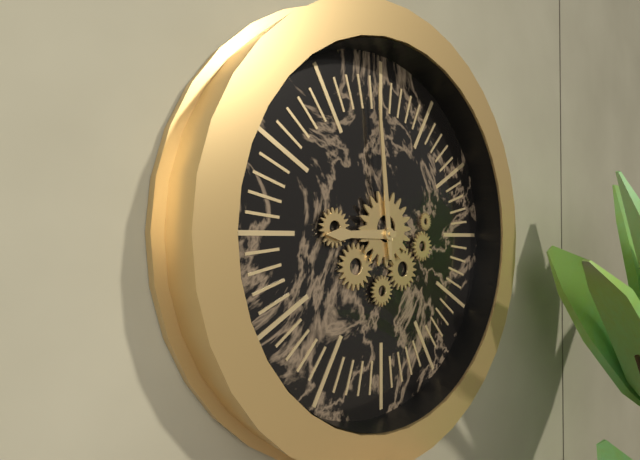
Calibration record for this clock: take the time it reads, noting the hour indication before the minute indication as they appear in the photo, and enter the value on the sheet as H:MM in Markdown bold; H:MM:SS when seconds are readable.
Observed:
**8:59**
